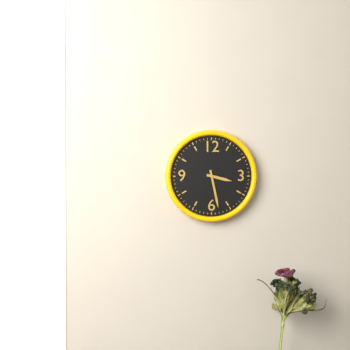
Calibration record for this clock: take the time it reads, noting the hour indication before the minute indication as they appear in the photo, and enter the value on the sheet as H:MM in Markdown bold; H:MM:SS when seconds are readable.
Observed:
**3:28**
